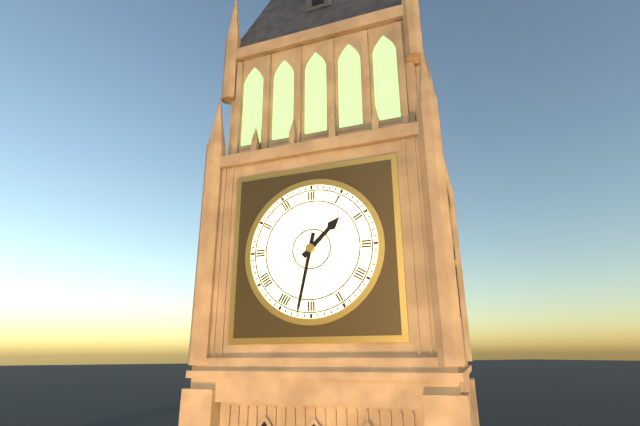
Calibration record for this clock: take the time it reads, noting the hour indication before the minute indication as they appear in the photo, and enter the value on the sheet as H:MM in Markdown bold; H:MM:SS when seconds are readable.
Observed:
**1:32**
